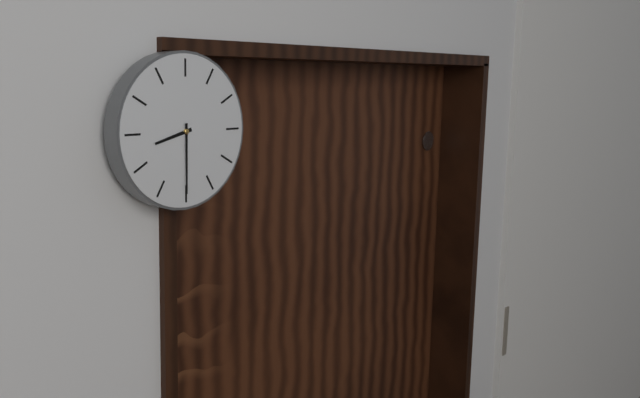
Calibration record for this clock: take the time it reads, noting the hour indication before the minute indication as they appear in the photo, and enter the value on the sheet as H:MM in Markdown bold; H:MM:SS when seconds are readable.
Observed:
**8:30**
